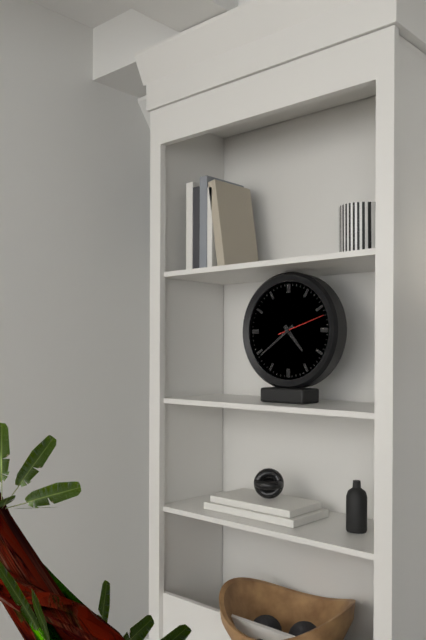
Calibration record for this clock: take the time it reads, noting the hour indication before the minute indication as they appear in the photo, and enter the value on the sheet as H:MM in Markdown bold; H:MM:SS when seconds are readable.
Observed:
**4:39**
